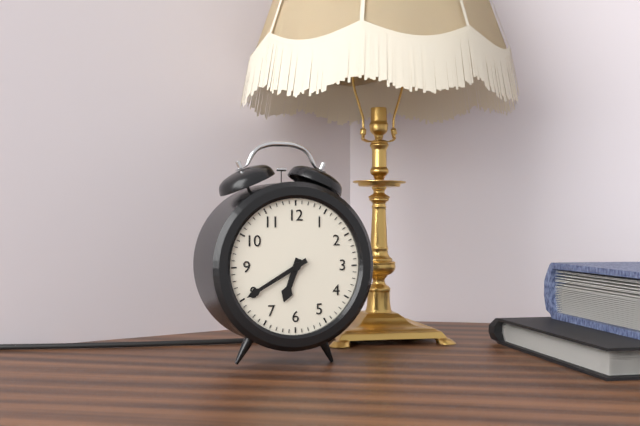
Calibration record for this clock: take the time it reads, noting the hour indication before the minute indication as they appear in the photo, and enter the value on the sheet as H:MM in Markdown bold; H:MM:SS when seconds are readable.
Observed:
**6:40**
